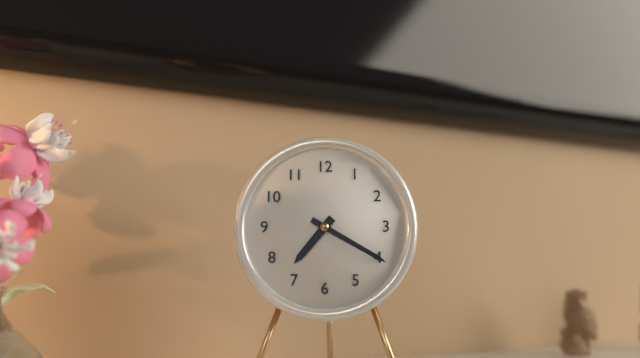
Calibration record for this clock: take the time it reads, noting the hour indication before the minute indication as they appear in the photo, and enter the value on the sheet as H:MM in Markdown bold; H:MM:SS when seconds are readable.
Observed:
**7:20**
